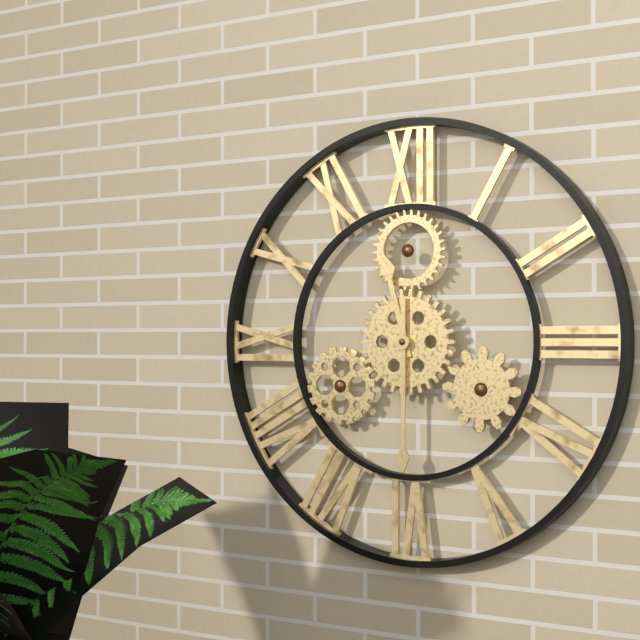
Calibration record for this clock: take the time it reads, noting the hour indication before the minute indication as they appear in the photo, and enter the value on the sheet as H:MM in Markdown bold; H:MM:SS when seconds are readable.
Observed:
**11:30**
